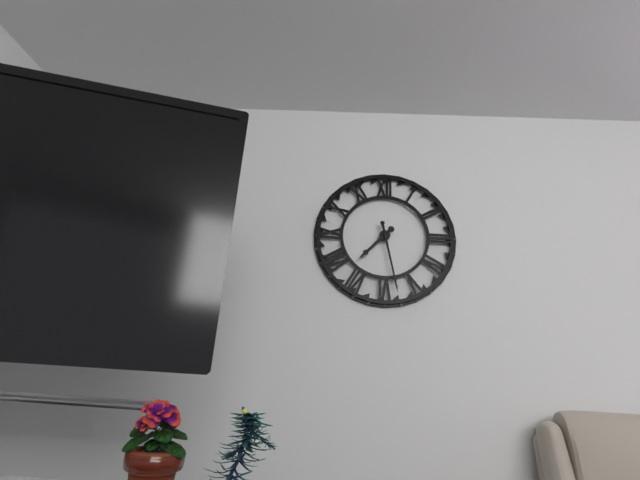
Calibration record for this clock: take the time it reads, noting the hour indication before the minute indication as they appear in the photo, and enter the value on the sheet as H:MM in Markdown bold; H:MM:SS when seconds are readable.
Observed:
**7:28**
